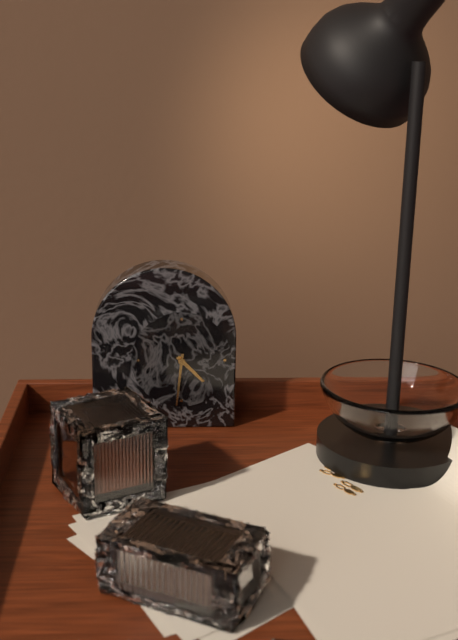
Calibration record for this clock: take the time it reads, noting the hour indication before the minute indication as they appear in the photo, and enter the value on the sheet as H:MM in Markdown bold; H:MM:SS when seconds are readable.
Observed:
**4:31**
